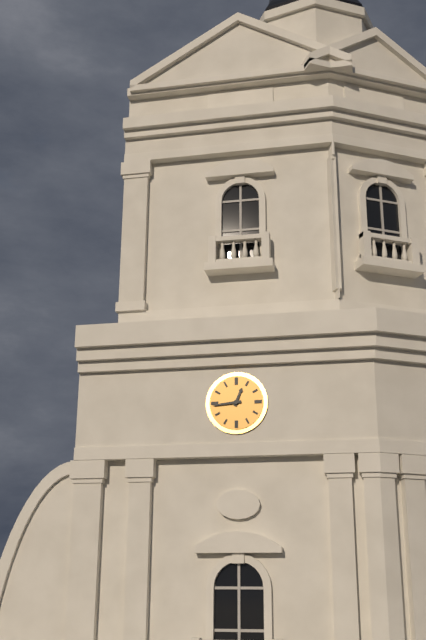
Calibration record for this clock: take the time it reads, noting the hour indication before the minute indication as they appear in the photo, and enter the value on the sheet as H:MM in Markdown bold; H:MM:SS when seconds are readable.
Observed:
**12:44**
